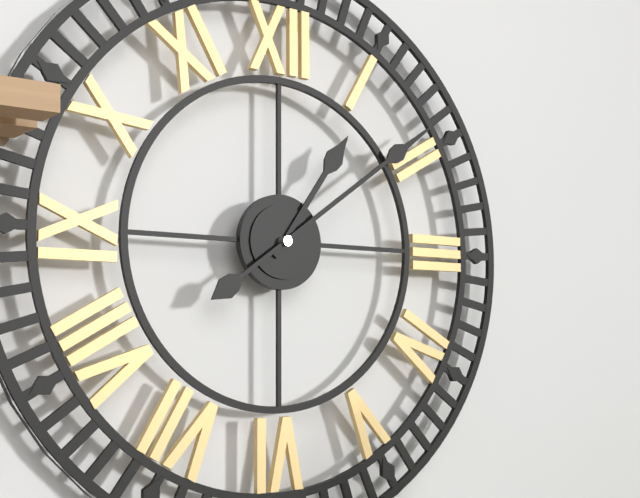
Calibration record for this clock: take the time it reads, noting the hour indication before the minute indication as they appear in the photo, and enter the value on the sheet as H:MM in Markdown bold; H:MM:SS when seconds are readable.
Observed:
**1:09**
